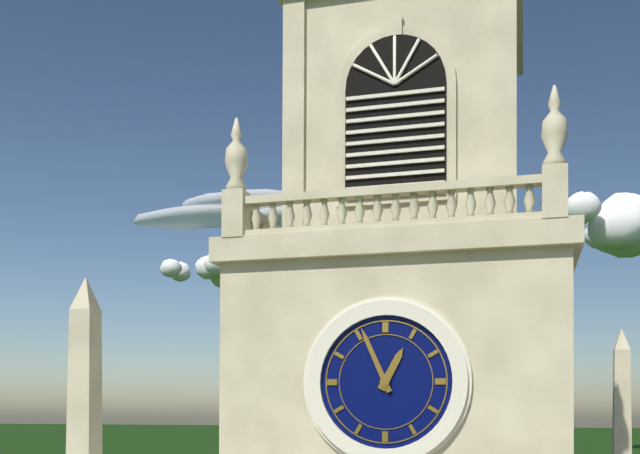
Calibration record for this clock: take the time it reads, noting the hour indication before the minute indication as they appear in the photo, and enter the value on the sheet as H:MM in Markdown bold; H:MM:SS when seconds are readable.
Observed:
**12:56**
